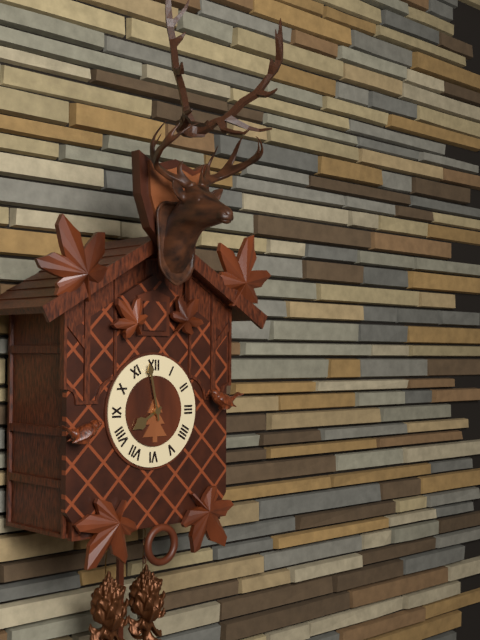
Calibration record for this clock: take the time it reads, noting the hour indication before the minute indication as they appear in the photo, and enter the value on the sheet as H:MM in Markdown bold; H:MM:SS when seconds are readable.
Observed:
**7:58**
